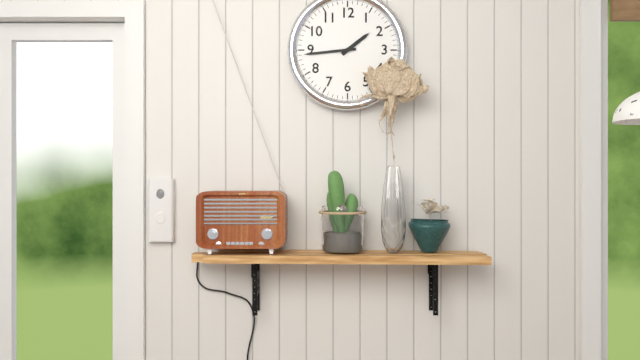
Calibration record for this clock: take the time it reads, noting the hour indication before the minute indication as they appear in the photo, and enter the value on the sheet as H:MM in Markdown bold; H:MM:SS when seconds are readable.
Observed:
**1:44**
